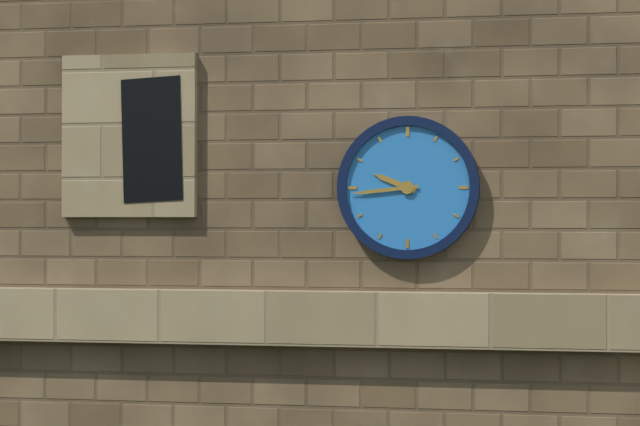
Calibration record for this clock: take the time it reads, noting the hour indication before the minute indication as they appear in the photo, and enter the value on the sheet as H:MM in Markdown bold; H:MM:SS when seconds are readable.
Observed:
**9:44**
